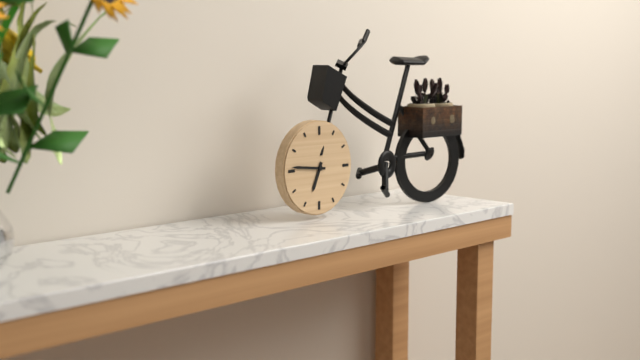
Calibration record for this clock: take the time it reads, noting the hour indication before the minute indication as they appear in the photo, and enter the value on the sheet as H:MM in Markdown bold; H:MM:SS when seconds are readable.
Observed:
**6:46**
